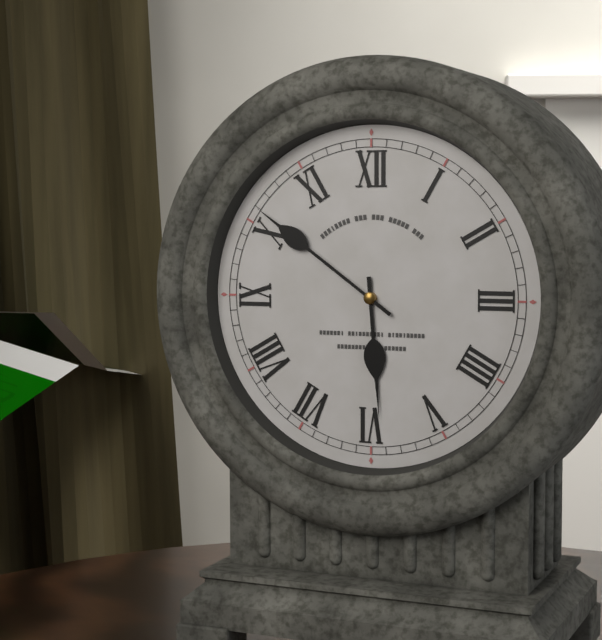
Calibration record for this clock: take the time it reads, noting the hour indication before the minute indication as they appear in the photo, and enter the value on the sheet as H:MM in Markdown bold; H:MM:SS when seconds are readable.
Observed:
**5:51**
